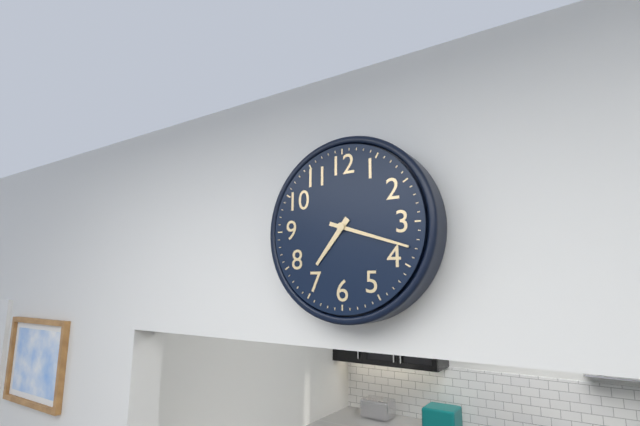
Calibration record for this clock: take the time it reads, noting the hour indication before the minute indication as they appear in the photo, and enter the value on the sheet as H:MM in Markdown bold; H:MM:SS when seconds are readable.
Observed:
**7:18**
